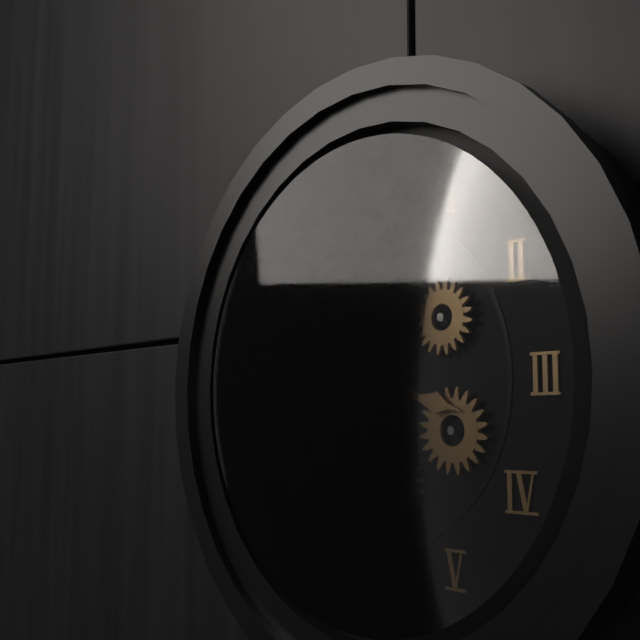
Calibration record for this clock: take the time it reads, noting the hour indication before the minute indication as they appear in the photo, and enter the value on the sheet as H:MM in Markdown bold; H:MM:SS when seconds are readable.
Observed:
**3:29**
